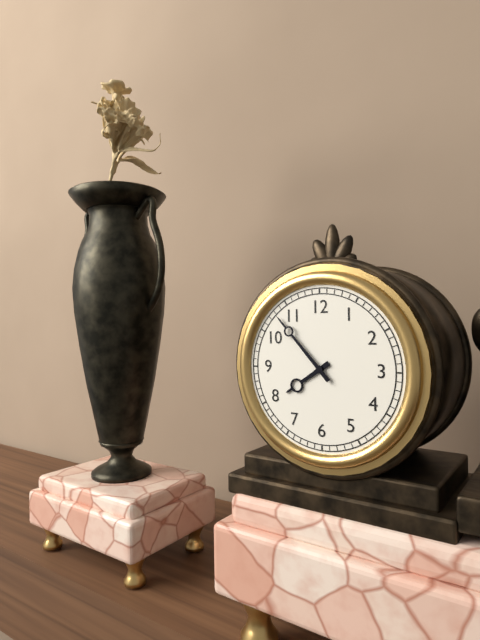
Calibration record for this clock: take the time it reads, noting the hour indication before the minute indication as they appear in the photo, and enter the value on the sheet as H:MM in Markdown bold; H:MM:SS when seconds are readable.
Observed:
**7:53**
